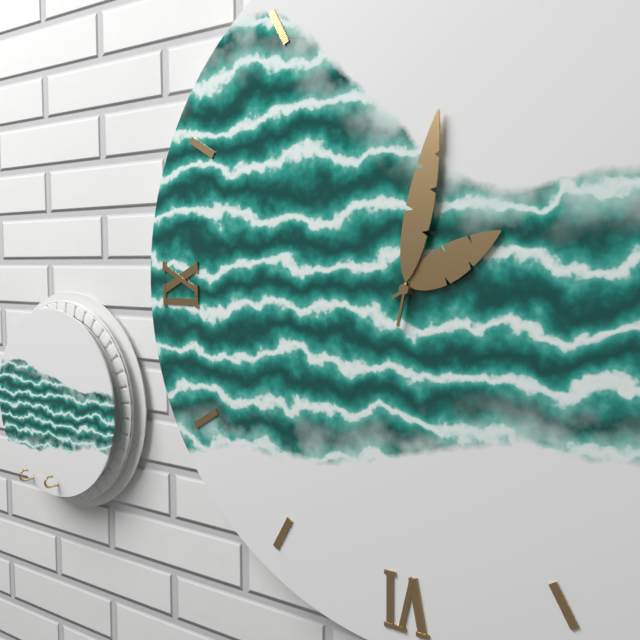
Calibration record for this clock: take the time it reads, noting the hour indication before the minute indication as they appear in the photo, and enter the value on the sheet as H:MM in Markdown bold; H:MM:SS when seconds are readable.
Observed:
**2:02**
